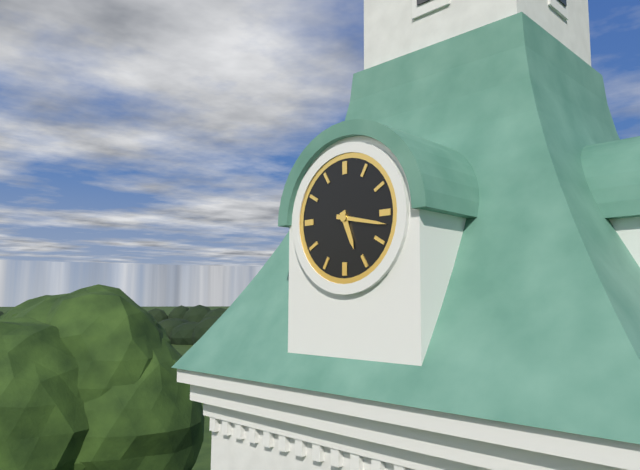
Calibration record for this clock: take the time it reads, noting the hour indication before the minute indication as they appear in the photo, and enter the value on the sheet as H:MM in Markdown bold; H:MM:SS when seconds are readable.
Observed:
**5:17**
